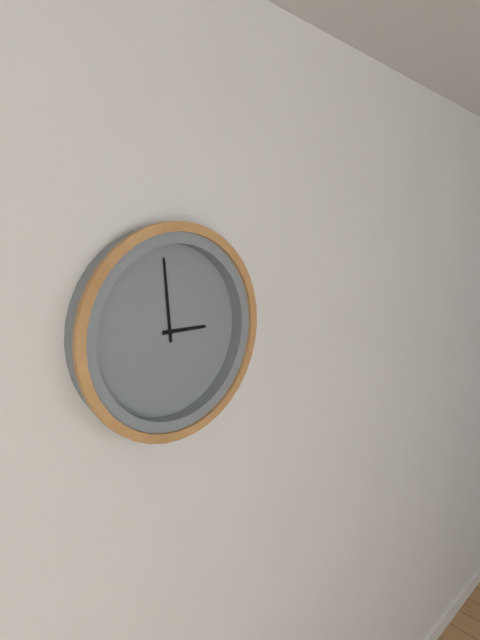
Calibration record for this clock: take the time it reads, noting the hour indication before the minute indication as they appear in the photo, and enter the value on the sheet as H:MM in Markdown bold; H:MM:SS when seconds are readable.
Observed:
**2:59**
